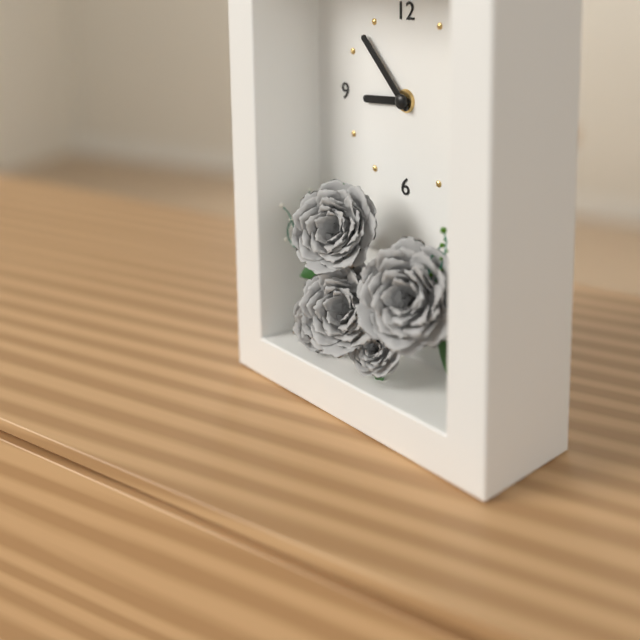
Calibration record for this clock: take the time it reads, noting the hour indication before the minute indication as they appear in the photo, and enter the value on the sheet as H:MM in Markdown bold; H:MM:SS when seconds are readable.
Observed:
**8:53**
